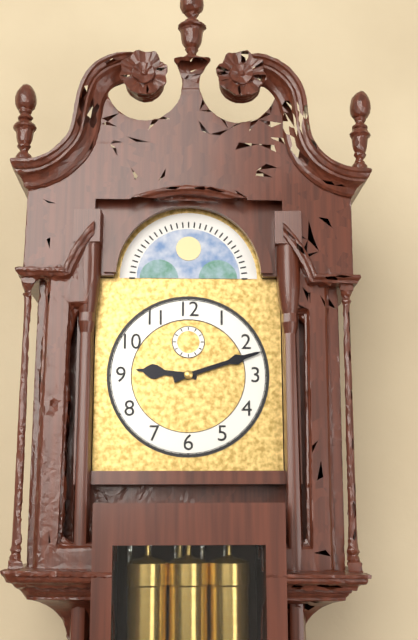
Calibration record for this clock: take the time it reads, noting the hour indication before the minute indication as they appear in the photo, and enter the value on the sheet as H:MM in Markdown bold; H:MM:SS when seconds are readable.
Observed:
**9:12**
